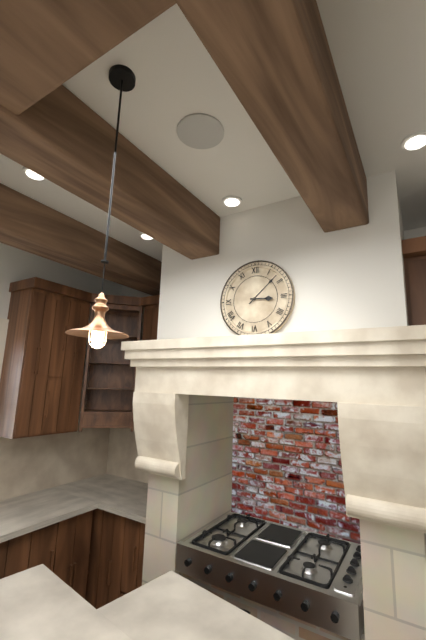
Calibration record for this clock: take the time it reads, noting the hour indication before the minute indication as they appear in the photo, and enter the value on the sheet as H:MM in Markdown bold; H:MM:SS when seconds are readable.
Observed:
**3:08**
